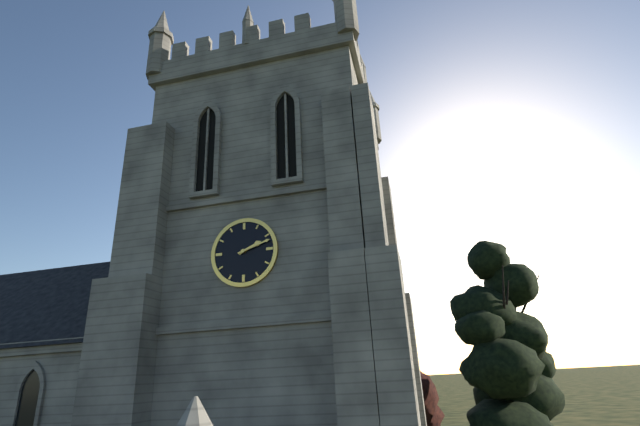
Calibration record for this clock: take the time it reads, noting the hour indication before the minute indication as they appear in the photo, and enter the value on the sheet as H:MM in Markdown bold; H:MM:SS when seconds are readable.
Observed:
**2:12**
